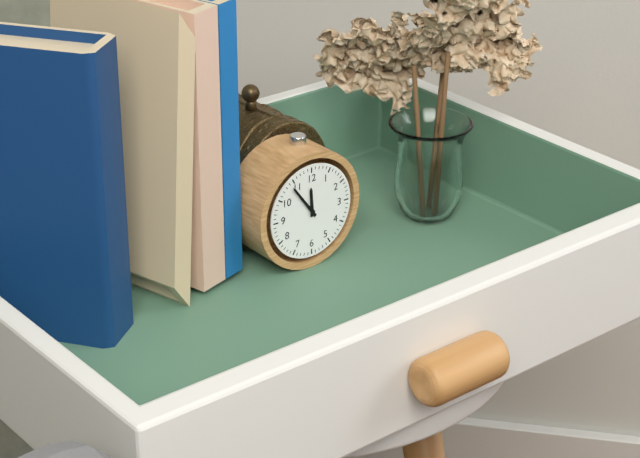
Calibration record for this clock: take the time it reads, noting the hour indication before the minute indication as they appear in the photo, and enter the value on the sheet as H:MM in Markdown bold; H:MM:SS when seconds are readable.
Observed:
**11:54**
